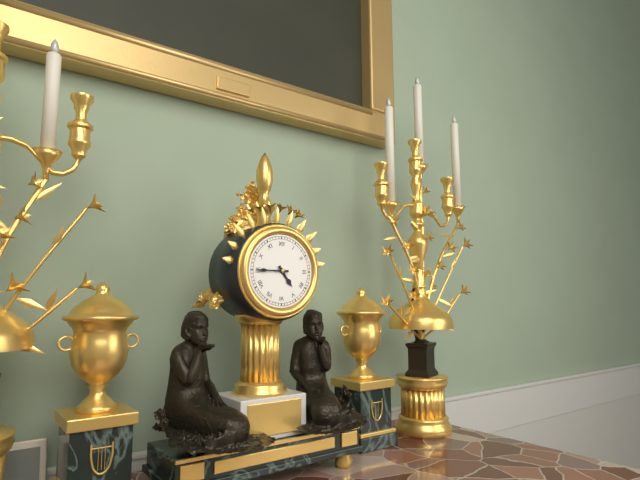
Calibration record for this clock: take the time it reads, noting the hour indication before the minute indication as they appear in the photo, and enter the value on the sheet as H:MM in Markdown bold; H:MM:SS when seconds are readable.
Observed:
**4:45**
